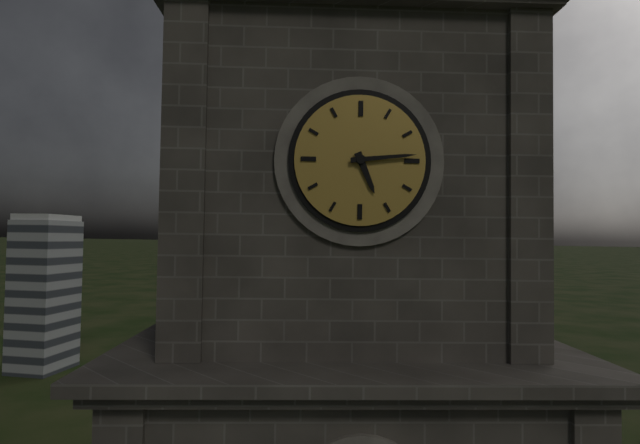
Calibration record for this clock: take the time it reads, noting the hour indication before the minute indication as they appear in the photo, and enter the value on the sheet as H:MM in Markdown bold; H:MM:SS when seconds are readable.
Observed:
**5:14**
